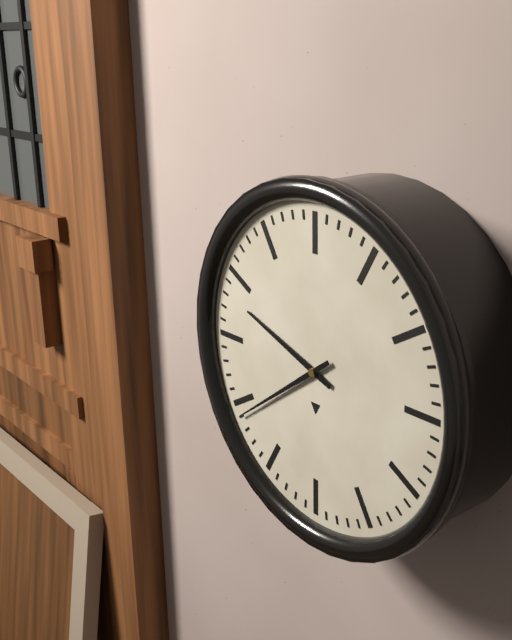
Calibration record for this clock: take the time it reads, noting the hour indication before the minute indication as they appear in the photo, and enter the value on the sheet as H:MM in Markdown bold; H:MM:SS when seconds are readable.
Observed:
**9:39**
